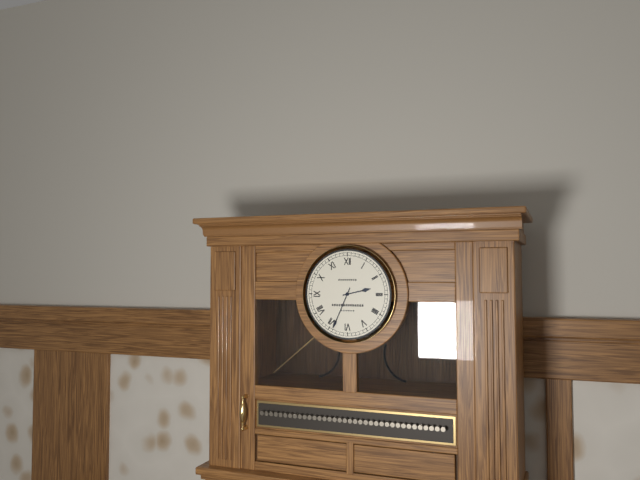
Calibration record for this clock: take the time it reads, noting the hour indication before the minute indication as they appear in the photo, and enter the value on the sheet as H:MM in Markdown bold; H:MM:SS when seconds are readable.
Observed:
**2:34**
